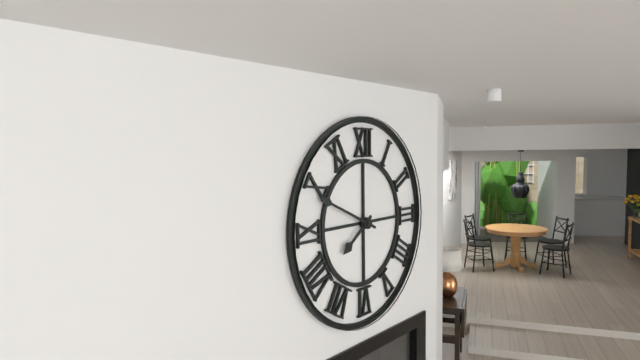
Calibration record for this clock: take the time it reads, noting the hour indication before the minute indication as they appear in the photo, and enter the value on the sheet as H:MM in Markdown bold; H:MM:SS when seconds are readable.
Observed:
**7:49**
